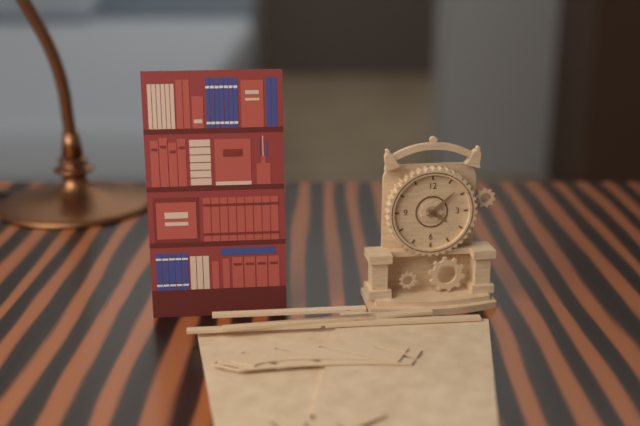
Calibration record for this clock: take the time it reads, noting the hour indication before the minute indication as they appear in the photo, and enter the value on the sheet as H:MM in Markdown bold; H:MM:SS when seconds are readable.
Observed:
**4:08**
